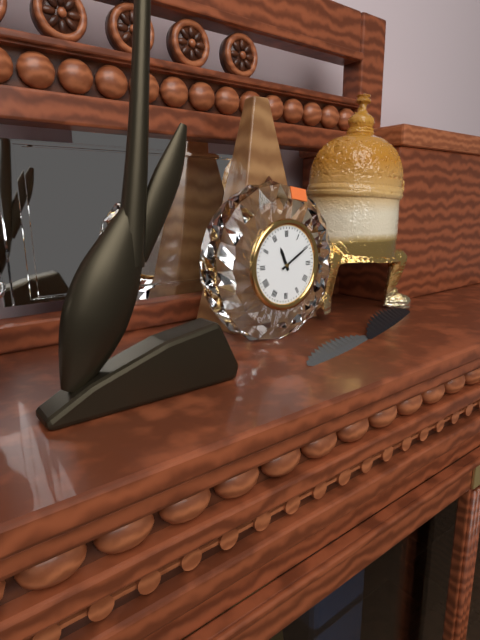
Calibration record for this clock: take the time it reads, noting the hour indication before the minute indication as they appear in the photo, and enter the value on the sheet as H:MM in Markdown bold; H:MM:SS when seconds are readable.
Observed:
**11:10**
